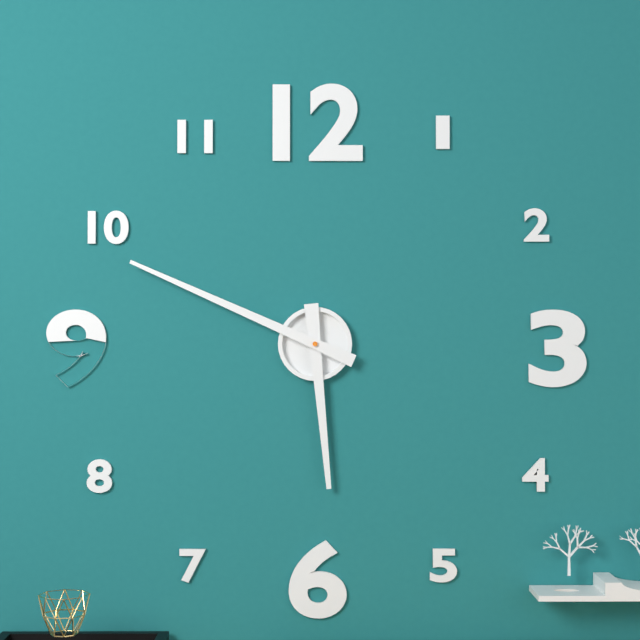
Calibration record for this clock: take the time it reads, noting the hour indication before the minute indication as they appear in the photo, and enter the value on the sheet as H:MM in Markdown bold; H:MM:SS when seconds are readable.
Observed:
**5:49**
